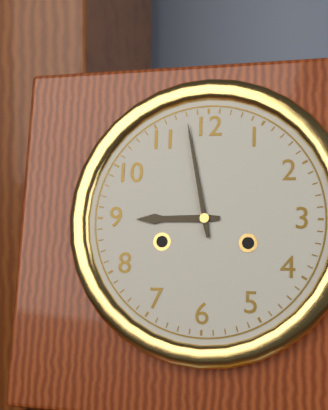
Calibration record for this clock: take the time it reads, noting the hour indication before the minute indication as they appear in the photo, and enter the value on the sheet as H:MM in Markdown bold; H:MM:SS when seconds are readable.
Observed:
**8:58**
